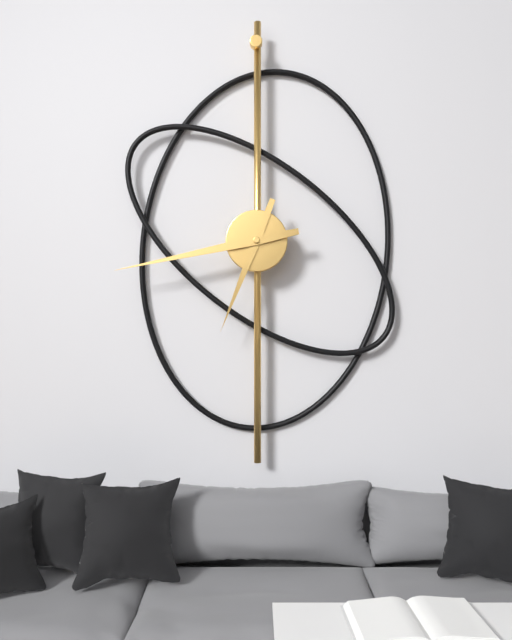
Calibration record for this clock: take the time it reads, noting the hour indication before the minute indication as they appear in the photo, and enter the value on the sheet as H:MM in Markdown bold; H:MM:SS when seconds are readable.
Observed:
**6:43**
